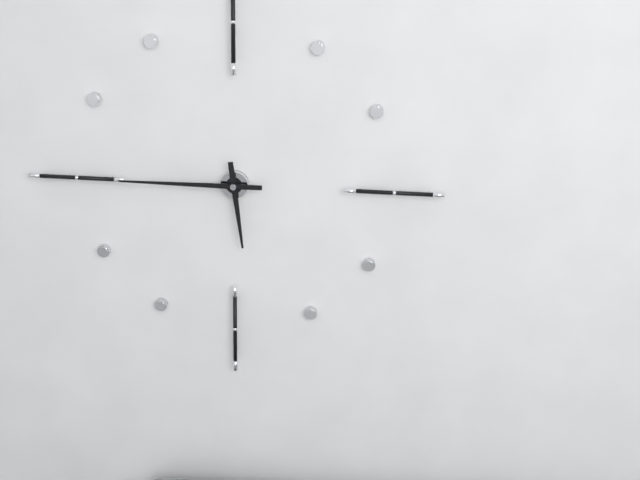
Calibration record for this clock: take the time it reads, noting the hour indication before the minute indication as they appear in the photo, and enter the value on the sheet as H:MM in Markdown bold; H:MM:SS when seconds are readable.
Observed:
**5:45**
